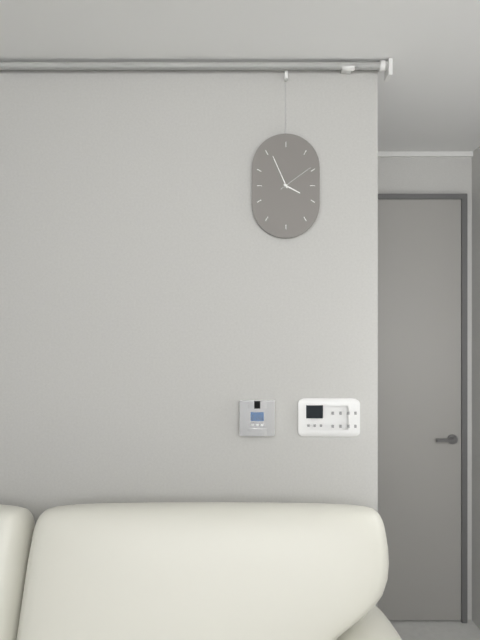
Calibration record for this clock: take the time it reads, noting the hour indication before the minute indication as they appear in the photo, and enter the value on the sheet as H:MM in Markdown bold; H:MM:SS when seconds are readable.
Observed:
**3:56**
